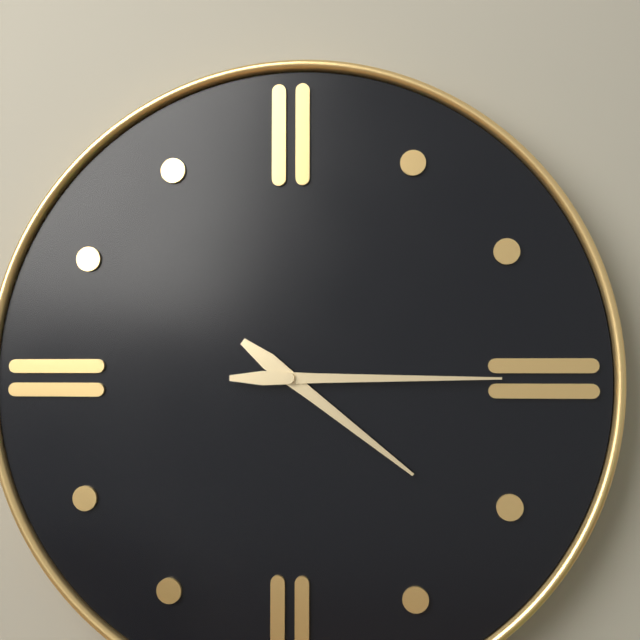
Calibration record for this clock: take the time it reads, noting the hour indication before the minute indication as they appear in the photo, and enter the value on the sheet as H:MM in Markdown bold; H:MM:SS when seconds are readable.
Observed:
**4:15**
